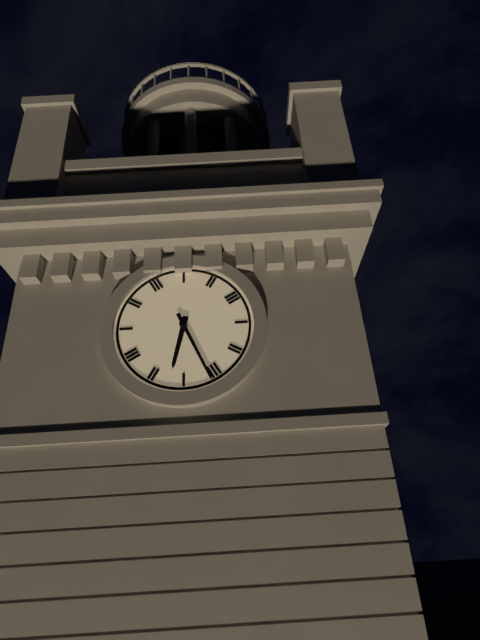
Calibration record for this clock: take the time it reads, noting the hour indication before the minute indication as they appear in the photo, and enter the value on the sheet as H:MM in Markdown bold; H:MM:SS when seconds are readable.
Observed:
**6:26**
